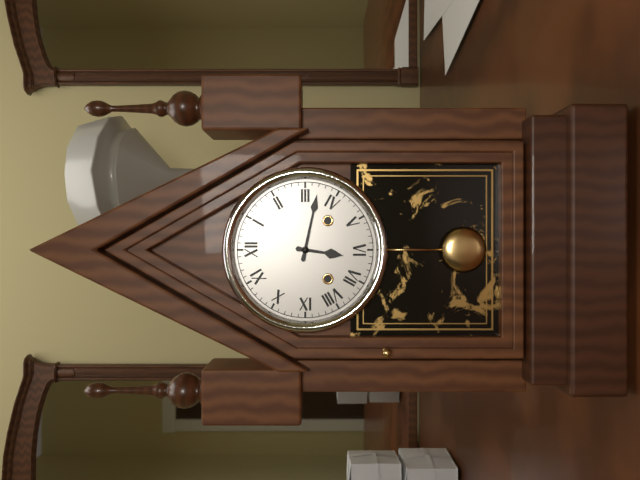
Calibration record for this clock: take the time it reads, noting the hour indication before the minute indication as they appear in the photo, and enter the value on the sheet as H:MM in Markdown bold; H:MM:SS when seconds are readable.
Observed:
**6:17**
